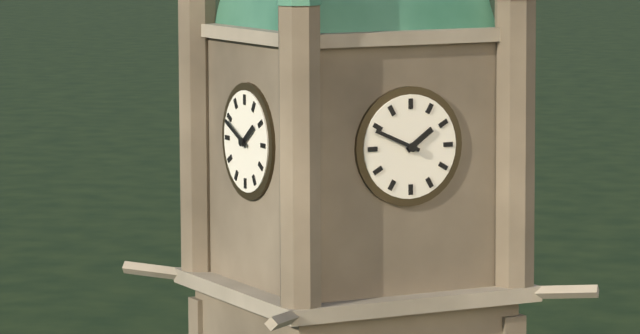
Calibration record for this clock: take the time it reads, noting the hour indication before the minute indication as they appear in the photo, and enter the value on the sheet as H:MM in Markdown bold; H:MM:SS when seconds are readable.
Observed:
**1:49**
